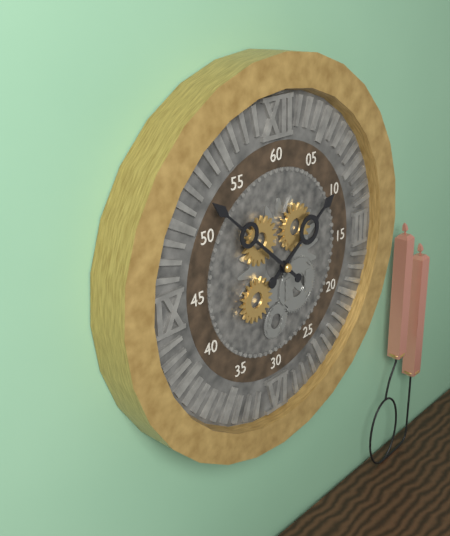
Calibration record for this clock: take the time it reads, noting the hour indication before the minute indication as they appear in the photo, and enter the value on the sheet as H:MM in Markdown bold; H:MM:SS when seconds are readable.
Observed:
**1:52**
